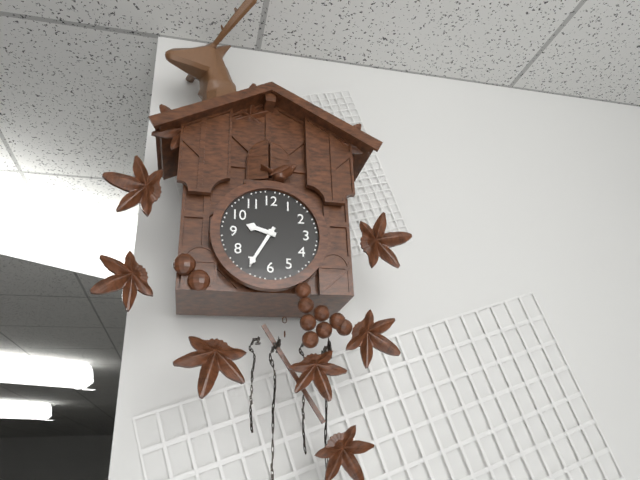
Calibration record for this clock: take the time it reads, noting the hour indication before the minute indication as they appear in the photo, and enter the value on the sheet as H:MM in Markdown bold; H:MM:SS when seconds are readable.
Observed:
**9:35**
